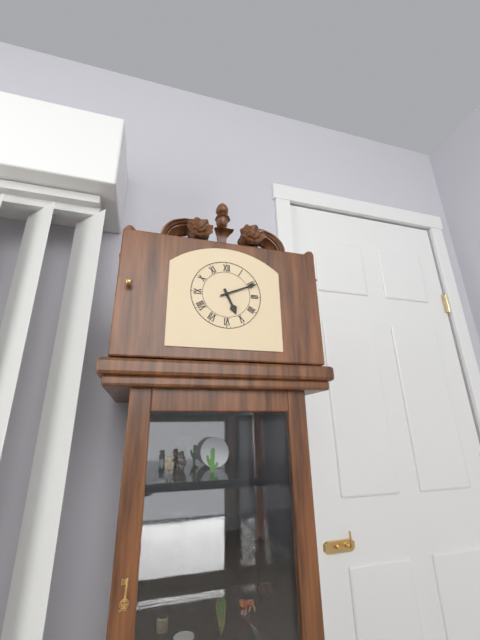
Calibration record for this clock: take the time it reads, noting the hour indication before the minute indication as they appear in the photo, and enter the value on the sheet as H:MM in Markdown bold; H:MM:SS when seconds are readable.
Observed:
**5:11**
